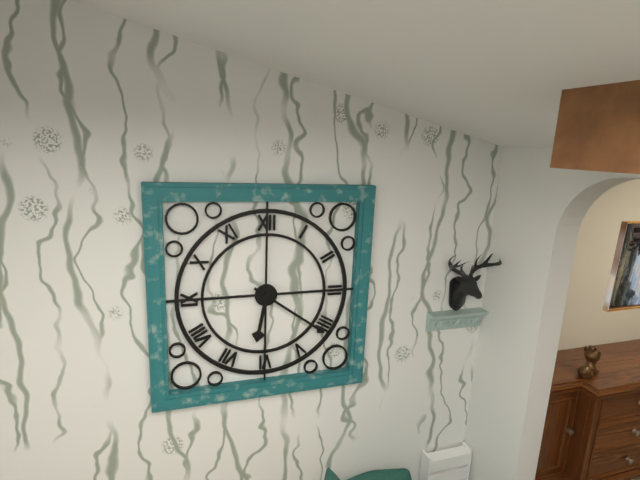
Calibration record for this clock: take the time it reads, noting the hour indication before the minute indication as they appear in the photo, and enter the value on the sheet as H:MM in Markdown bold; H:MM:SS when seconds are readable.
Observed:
**6:21**
